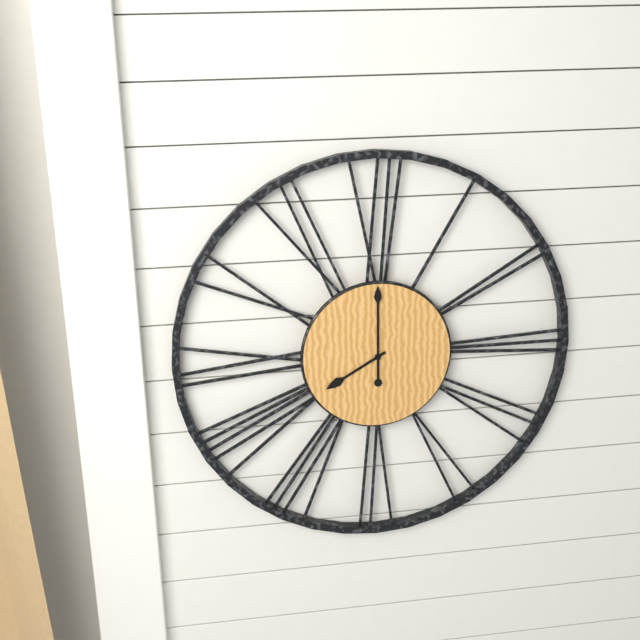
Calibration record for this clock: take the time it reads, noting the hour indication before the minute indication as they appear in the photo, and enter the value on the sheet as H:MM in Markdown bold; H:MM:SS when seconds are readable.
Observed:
**8:00**
